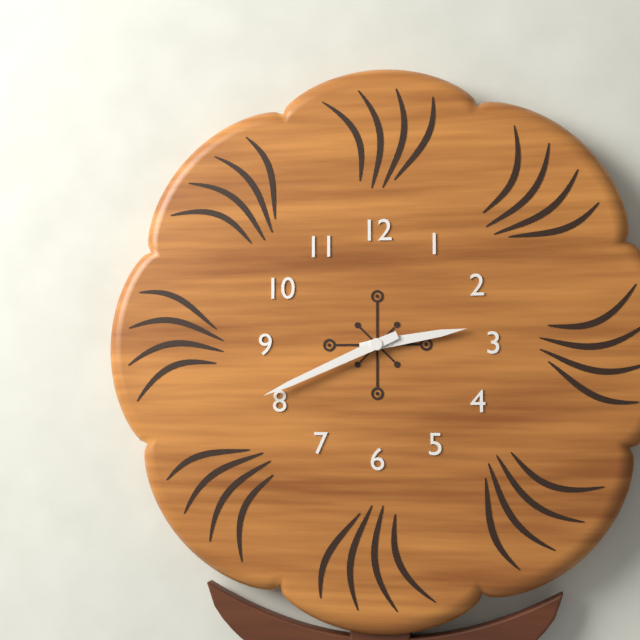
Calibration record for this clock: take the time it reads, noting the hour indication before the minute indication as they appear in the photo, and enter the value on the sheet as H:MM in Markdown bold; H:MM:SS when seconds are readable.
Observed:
**2:41**
